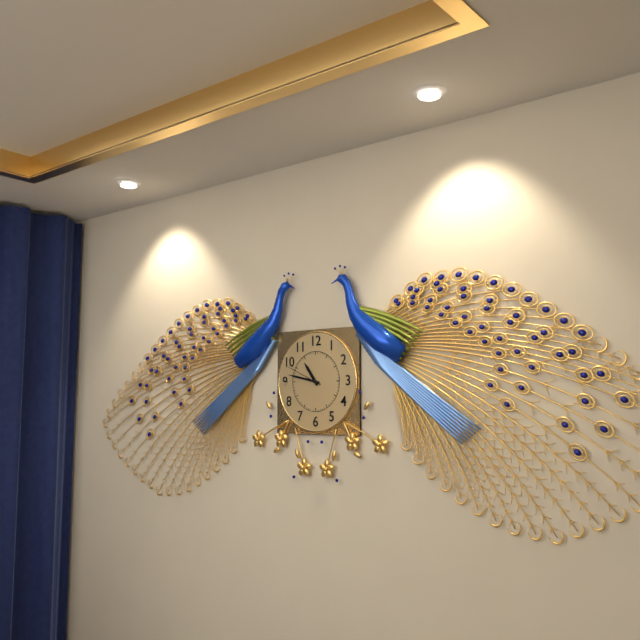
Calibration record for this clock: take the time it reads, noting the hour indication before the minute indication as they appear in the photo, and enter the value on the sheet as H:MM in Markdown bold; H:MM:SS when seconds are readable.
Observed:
**10:47**
